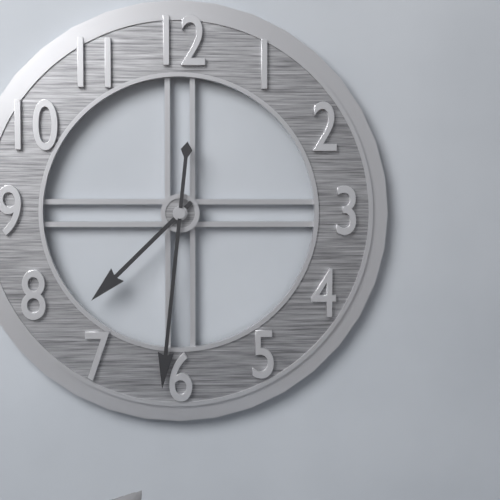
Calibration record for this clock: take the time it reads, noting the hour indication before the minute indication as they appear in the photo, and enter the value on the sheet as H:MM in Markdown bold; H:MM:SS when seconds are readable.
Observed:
**7:31**
